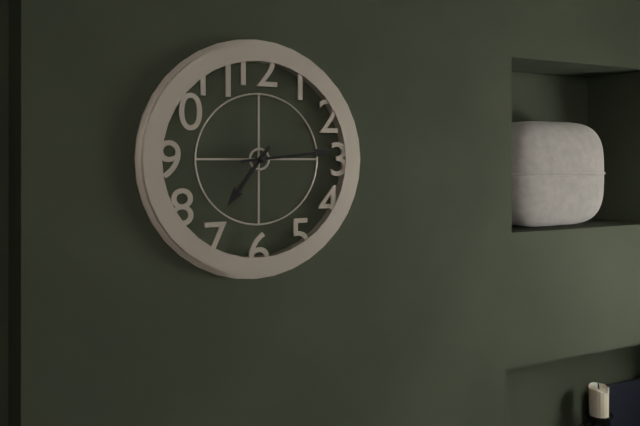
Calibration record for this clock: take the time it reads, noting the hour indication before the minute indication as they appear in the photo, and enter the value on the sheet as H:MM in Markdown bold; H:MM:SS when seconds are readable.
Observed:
**7:14**
